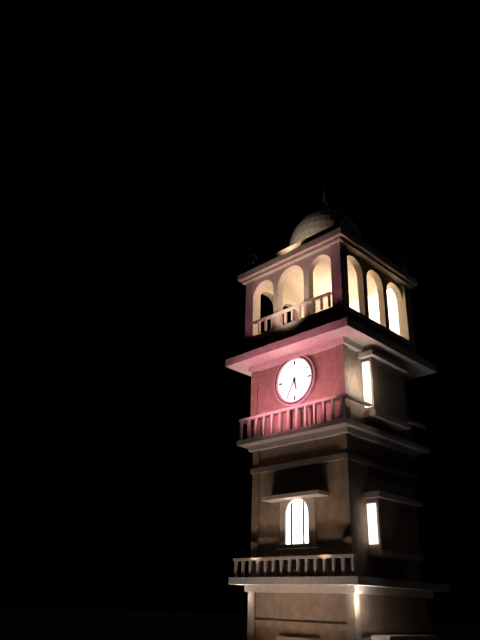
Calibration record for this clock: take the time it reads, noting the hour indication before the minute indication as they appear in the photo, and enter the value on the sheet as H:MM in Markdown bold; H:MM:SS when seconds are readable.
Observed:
**5:35**
